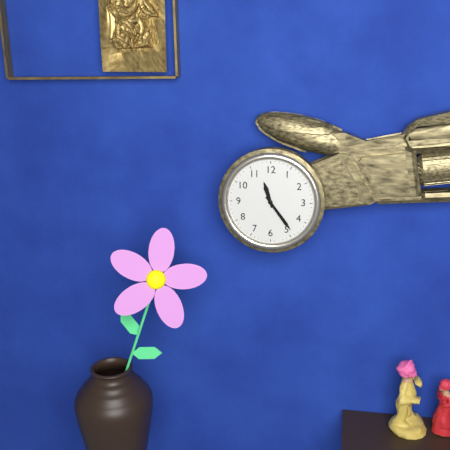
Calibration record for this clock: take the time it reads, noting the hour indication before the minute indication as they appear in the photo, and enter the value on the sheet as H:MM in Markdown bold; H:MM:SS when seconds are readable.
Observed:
**11:24**
